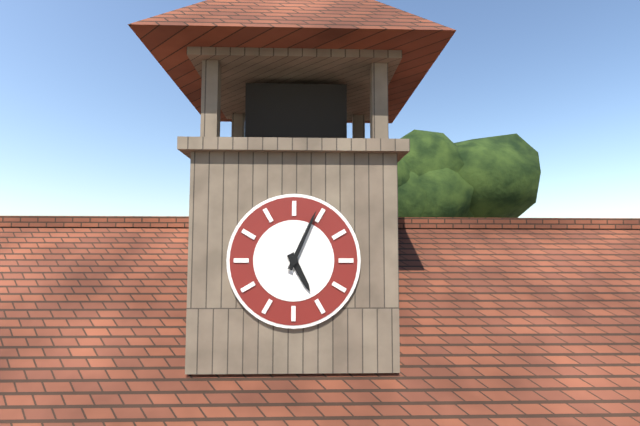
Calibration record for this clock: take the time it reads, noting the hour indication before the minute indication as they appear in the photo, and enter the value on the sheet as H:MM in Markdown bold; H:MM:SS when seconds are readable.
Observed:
**5:04**
